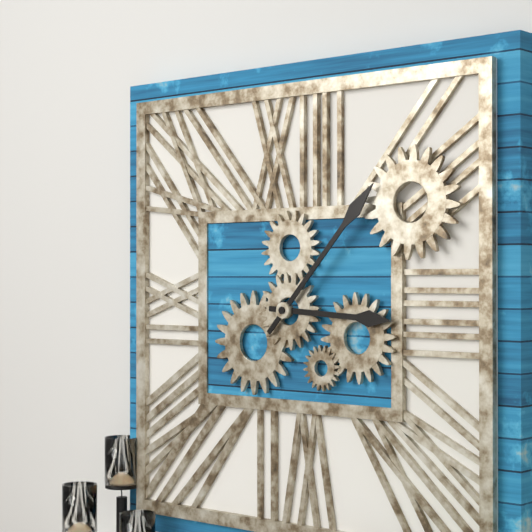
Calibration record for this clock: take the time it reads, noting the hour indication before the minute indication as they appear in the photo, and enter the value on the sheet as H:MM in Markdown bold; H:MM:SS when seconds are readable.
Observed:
**3:07**
